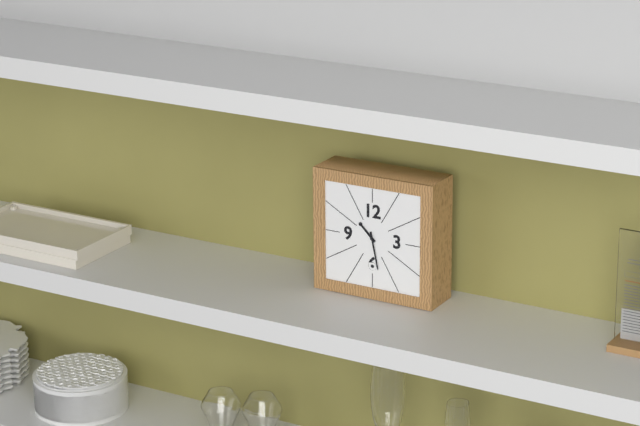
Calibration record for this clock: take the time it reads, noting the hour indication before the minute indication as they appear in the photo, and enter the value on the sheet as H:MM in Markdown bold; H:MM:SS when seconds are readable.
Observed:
**10:28**
